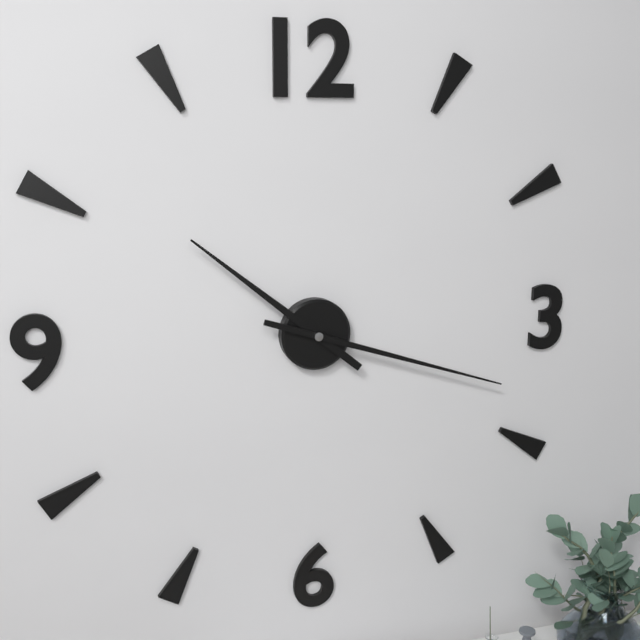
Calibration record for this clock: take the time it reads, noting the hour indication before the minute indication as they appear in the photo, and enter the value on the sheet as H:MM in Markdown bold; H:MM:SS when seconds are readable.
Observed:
**10:18**
